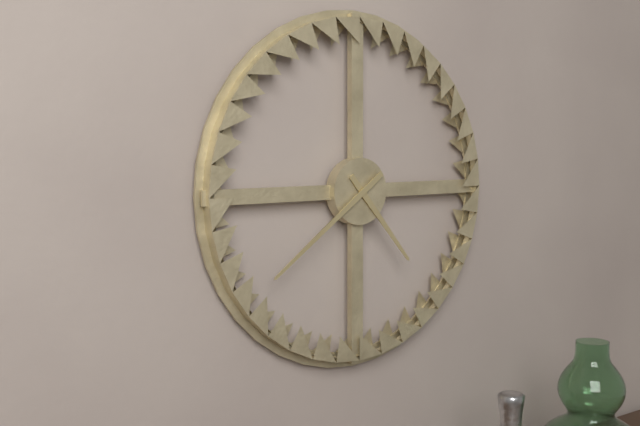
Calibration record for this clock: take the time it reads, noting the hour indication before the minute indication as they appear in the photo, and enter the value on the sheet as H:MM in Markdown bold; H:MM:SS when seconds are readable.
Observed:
**4:39**
